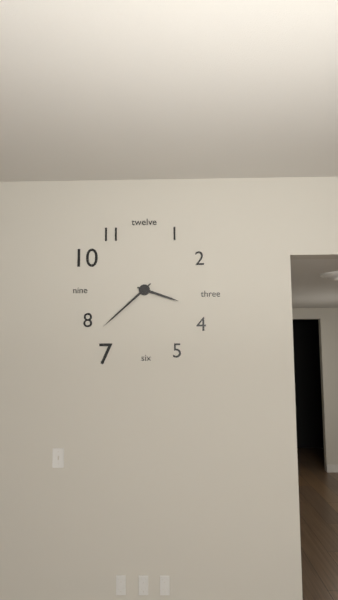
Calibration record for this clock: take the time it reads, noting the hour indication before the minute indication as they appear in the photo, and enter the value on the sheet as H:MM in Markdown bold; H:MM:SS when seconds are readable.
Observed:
**3:38**
